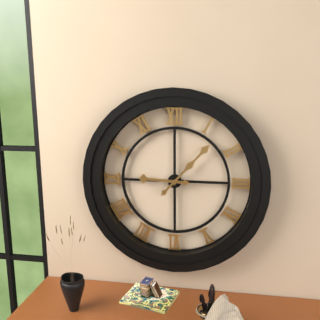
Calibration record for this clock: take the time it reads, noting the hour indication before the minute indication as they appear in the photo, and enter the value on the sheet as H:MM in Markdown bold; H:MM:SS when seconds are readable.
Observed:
**9:07**
